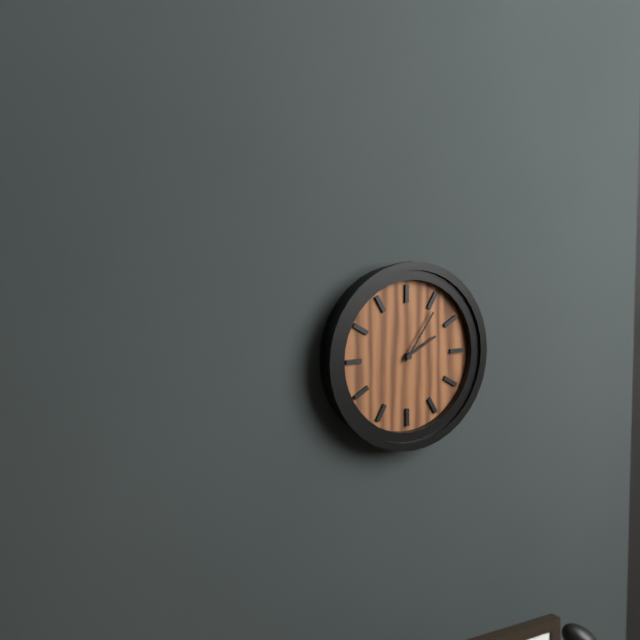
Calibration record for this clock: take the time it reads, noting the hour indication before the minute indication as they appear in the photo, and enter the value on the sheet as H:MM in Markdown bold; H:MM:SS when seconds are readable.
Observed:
**2:06**
